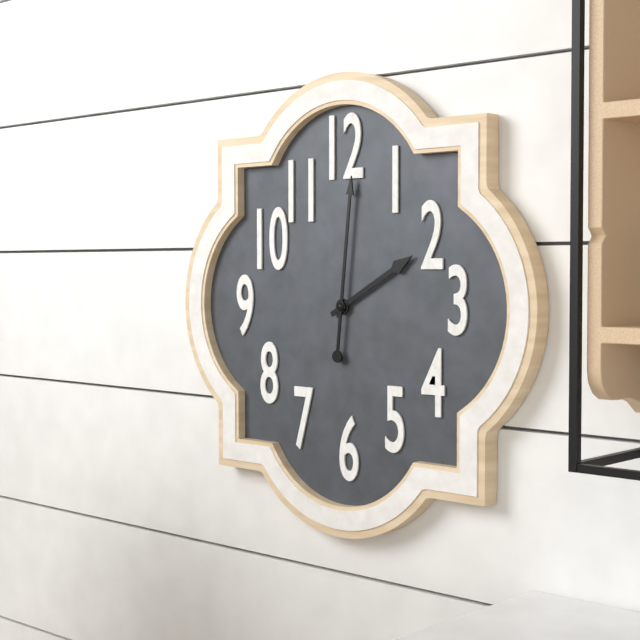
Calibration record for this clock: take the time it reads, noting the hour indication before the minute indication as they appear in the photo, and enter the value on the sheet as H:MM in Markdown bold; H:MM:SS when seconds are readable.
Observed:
**2:01**
